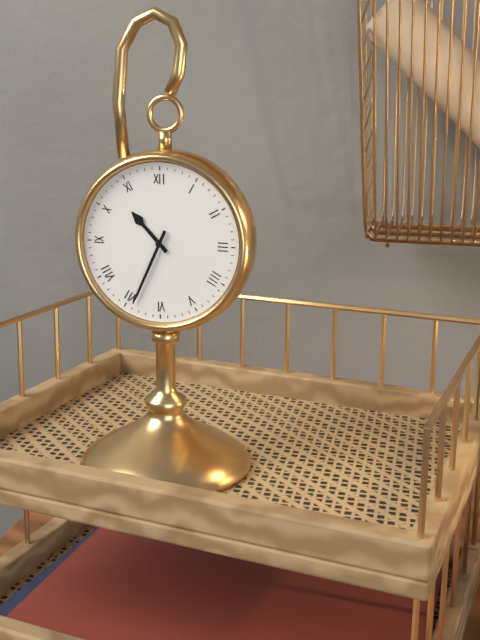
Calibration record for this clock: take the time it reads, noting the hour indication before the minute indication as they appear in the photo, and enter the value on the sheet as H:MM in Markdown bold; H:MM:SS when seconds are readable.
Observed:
**10:34**
